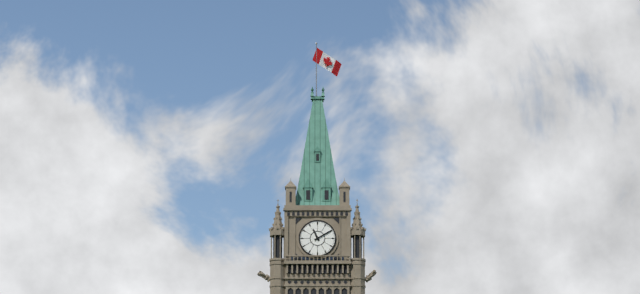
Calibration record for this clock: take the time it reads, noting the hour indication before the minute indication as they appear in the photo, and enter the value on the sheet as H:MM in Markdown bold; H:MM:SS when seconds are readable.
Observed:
**11:10**
